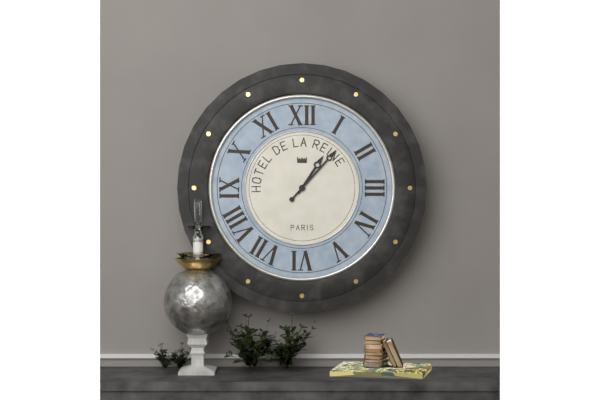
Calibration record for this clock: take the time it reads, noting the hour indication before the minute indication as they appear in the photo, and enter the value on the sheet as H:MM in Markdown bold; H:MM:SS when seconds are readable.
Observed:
**1:07**
